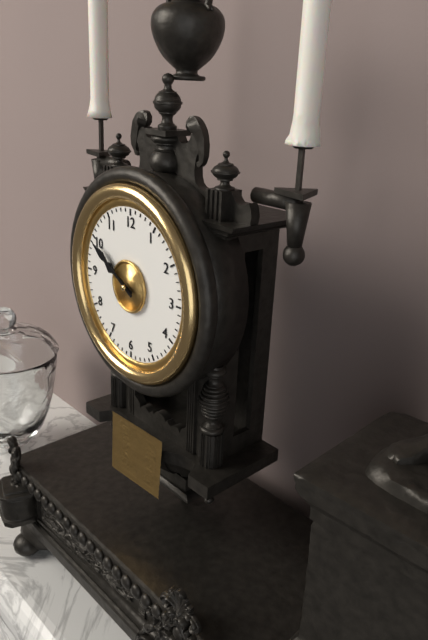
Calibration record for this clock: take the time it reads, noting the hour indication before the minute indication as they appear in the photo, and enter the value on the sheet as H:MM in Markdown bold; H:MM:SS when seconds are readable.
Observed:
**9:50**
